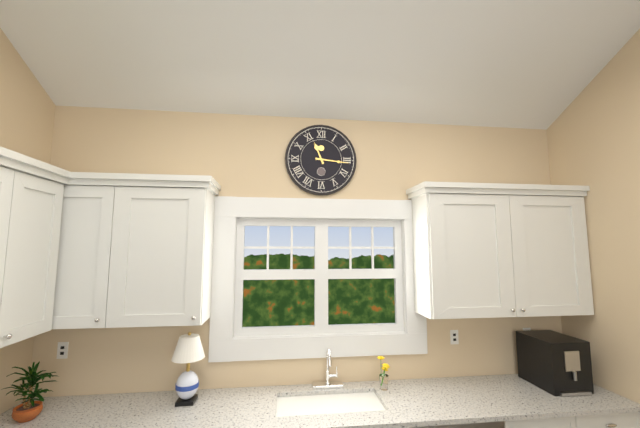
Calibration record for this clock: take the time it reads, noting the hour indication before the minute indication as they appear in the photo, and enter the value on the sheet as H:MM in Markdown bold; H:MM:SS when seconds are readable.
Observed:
**11:16**
